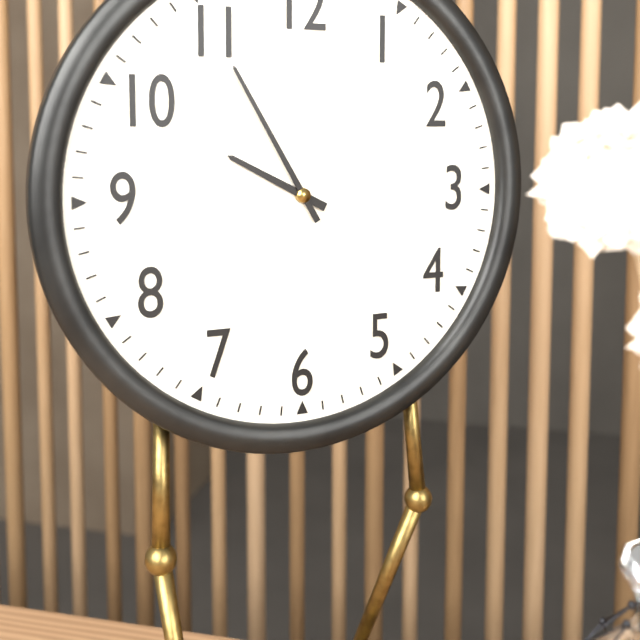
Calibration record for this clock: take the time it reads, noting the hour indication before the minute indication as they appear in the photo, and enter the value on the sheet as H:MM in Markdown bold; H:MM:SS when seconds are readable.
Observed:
**9:55**
